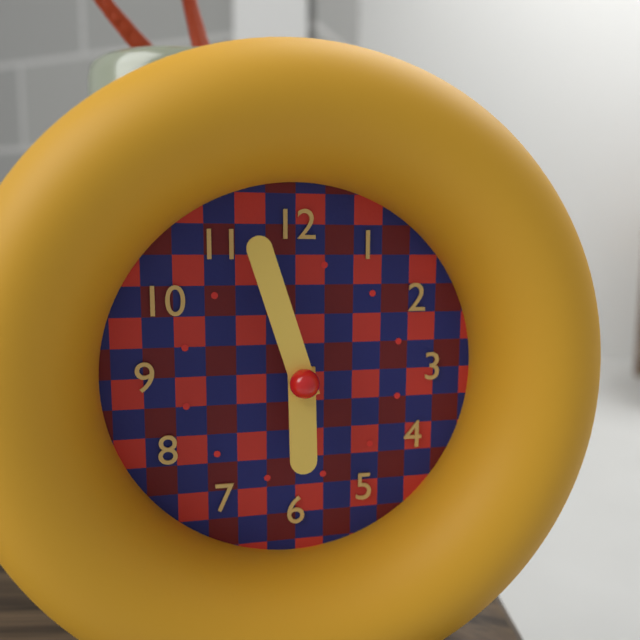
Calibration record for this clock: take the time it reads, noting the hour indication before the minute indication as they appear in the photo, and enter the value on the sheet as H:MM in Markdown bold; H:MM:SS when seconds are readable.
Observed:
**5:57**
